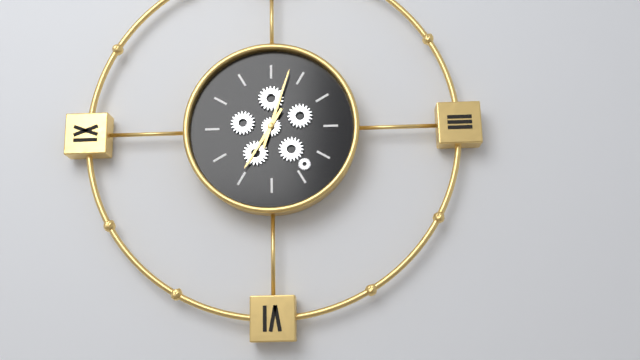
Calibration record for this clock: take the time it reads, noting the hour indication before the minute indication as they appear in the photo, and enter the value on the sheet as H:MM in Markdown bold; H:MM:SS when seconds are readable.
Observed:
**7:03**
